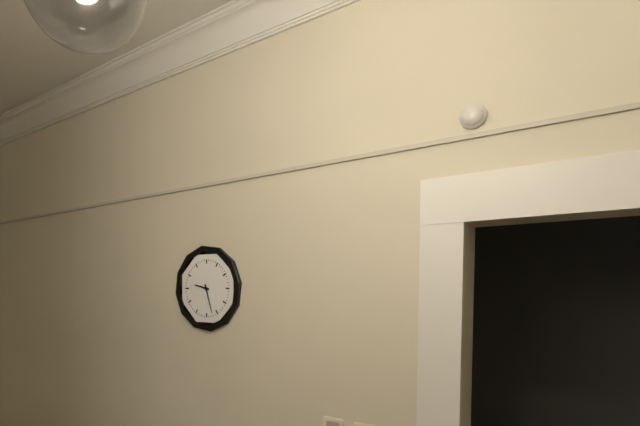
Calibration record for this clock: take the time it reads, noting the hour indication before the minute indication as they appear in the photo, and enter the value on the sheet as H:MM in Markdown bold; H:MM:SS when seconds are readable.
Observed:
**9:27**
